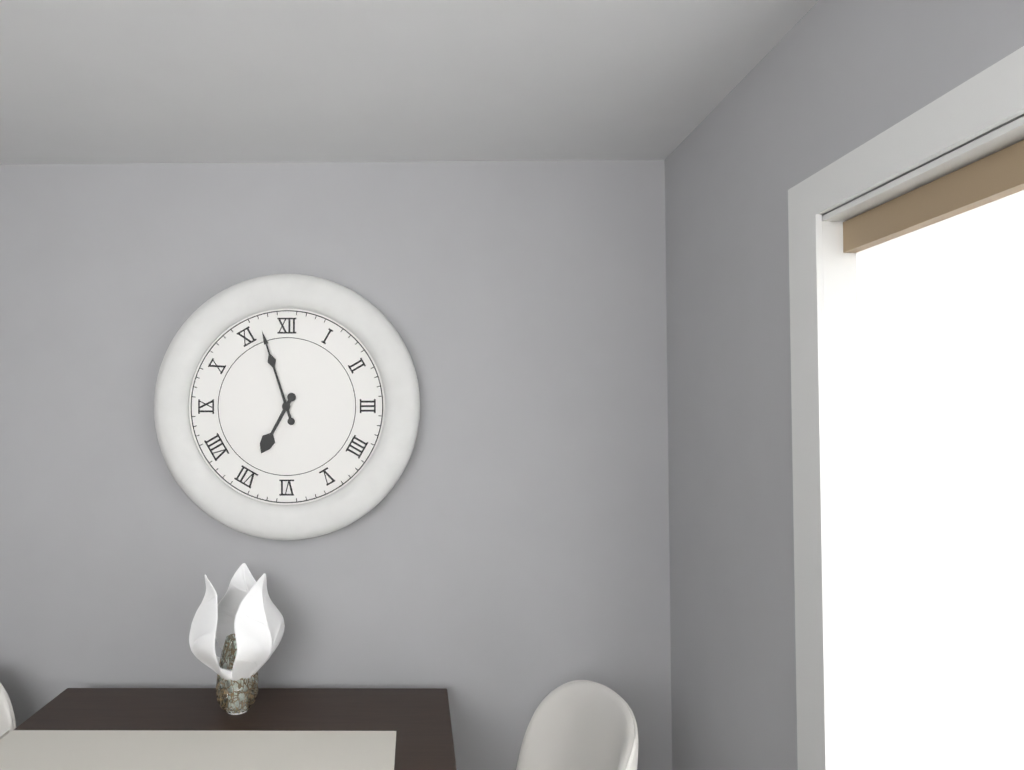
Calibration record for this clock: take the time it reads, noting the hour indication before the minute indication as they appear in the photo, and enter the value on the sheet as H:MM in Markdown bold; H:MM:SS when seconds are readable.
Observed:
**6:57**
